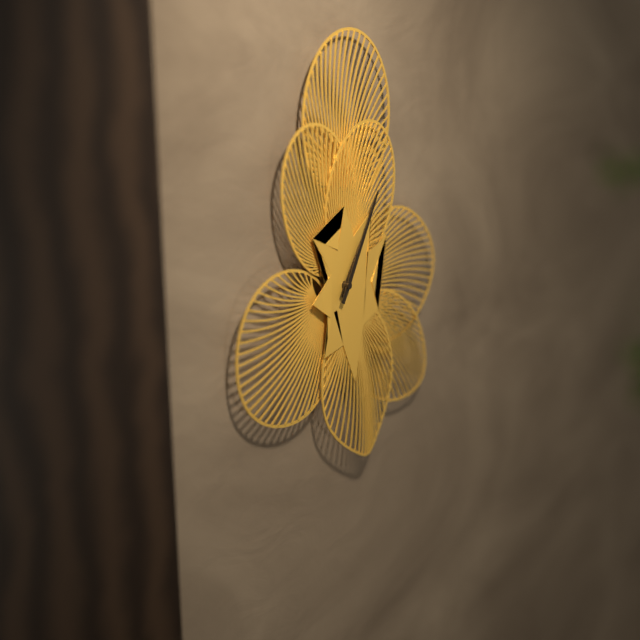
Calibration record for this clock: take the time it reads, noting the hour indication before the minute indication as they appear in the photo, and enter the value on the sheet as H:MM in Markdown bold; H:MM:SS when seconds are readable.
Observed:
**1:05**
